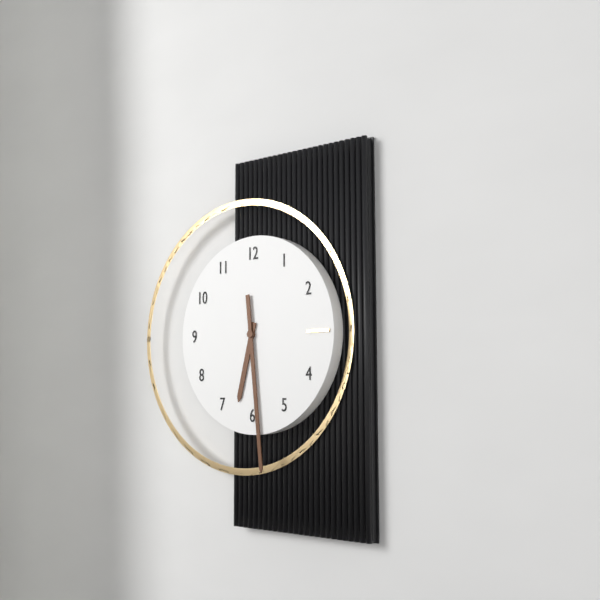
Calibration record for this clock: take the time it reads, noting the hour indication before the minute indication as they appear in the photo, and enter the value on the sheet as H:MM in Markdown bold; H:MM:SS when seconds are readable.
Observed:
**6:29**
